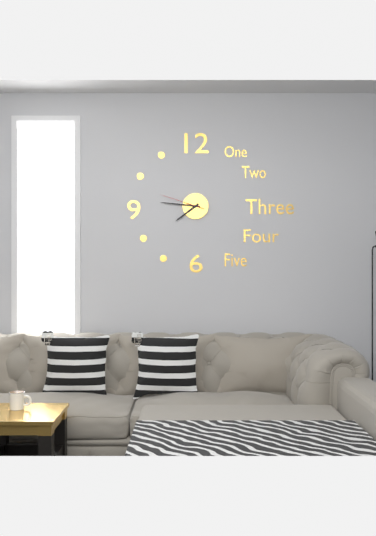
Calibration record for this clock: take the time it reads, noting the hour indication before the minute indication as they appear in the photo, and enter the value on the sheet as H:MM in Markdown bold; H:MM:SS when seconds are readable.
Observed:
**7:46**
